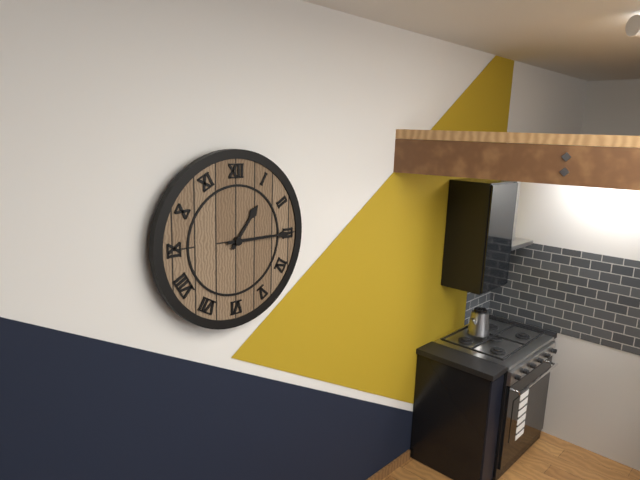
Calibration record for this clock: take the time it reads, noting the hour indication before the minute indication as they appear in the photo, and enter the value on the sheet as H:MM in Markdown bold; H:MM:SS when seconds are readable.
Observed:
**1:15**
